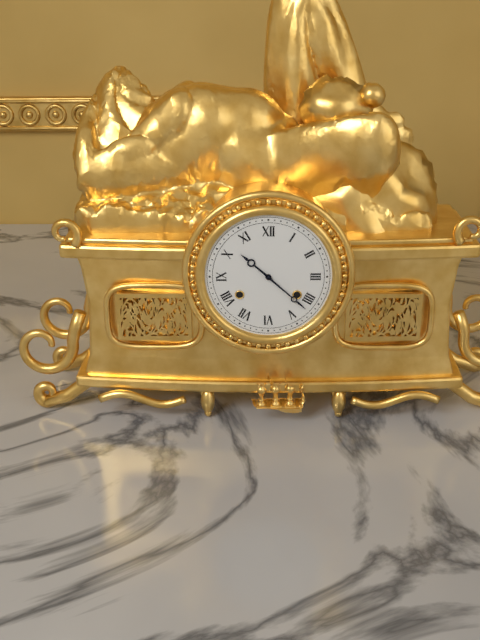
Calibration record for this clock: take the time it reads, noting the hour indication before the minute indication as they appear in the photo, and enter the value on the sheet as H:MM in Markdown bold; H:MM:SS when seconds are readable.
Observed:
**10:22**
